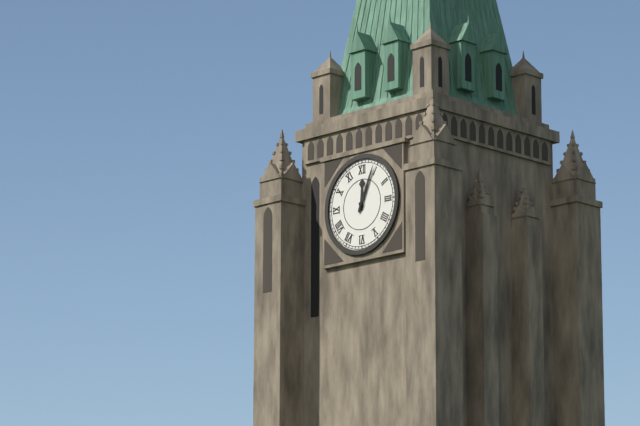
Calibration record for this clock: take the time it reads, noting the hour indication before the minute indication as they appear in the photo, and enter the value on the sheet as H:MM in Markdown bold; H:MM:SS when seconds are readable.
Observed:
**12:04**
